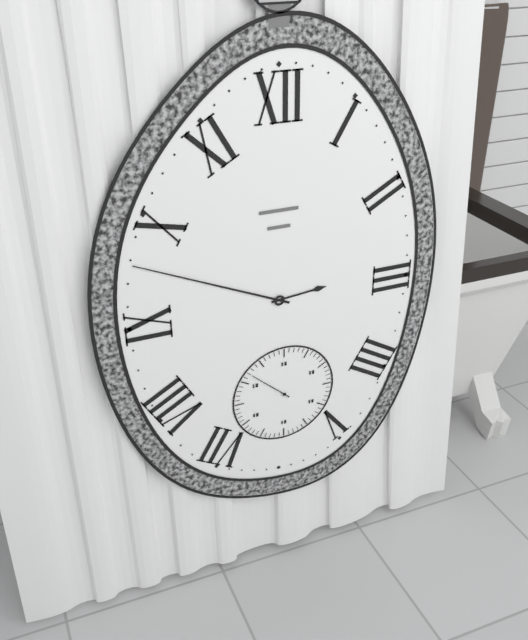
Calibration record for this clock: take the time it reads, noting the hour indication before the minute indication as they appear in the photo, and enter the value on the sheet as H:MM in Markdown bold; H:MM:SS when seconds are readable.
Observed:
**2:49**
